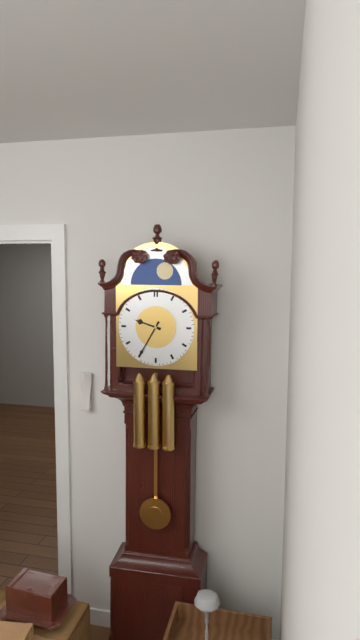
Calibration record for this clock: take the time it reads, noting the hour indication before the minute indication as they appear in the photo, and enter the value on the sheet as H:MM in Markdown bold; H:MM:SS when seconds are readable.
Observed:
**9:35**
